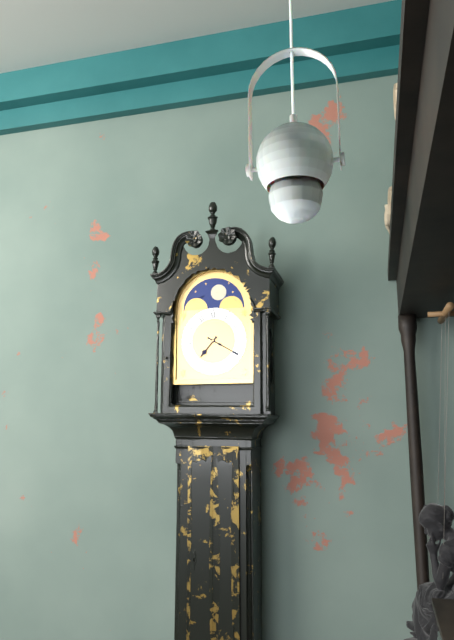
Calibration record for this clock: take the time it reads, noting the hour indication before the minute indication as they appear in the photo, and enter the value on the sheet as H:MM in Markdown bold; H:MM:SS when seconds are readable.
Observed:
**7:20**
